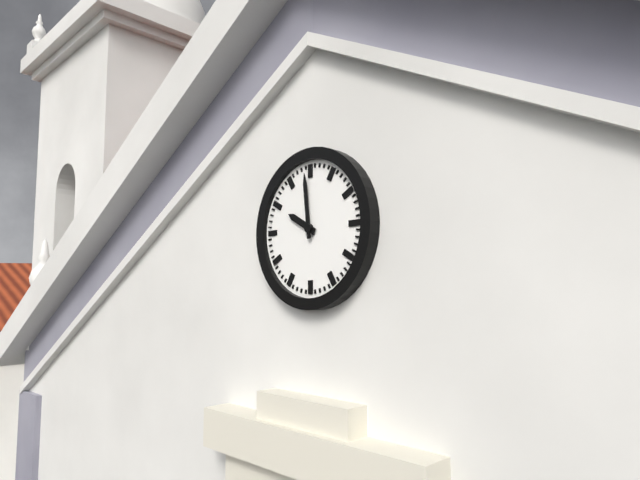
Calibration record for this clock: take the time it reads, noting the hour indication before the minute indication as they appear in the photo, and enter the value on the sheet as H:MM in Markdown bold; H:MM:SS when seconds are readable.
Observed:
**9:59**
